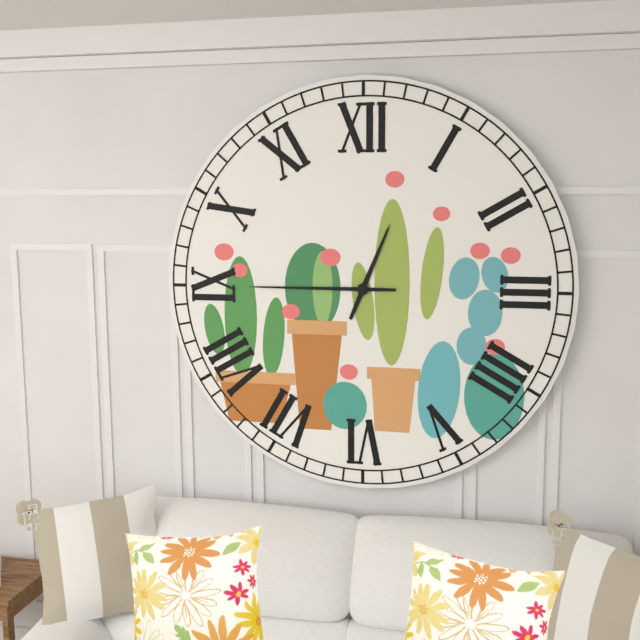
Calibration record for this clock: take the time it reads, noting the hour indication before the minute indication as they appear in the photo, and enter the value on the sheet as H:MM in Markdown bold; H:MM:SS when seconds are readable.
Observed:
**12:45**
